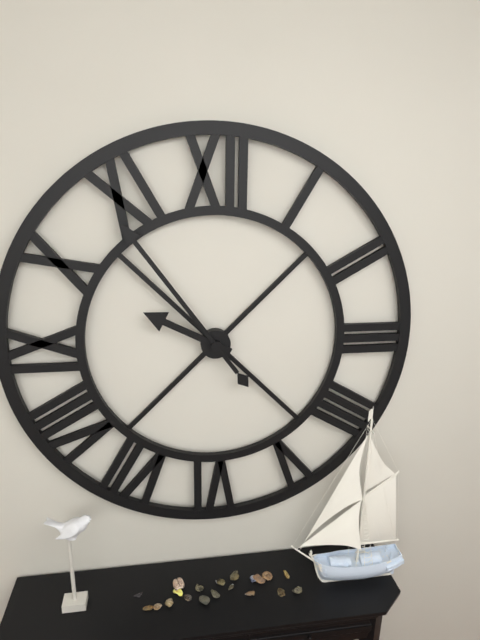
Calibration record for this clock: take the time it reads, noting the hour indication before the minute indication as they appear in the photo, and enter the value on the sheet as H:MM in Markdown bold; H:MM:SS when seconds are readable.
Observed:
**9:54**
